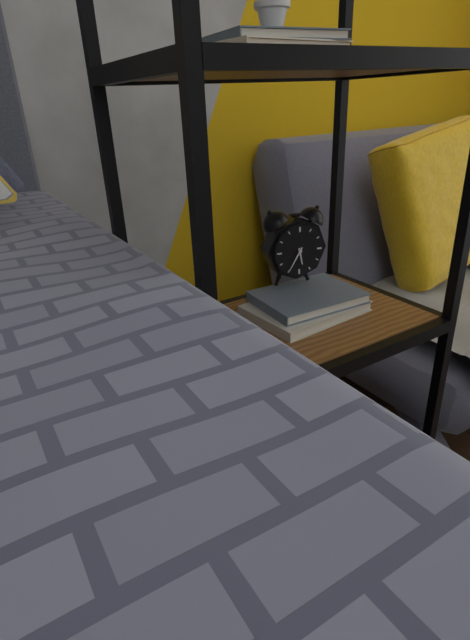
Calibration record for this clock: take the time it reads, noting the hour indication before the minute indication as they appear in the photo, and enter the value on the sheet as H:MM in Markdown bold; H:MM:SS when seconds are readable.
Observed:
**5:35**
